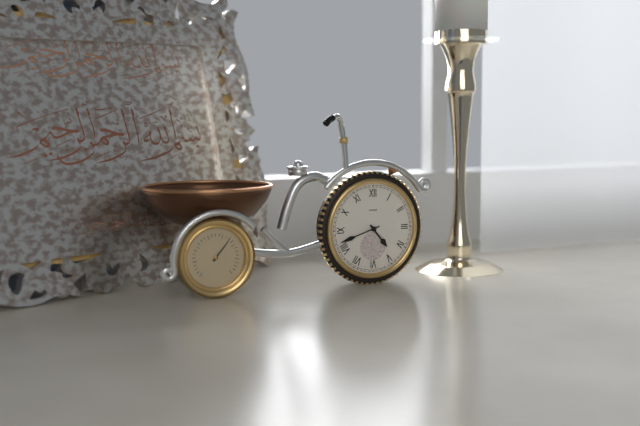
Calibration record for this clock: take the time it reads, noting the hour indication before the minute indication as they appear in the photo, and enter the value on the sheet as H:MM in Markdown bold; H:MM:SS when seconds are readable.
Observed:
**4:42**
